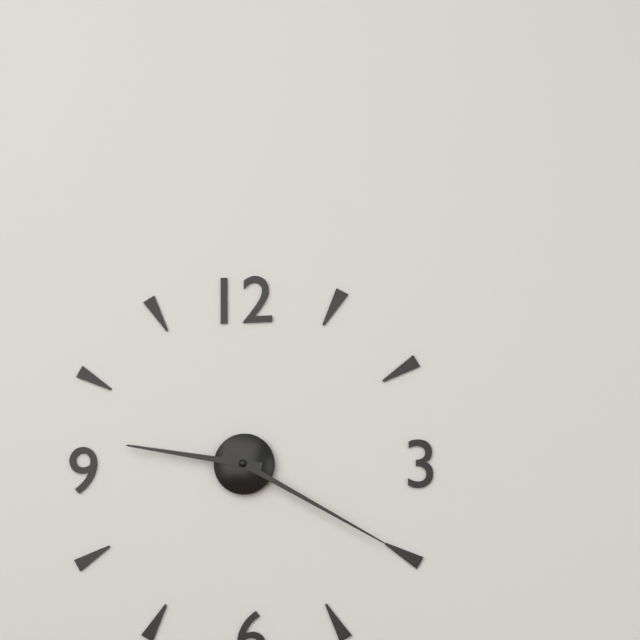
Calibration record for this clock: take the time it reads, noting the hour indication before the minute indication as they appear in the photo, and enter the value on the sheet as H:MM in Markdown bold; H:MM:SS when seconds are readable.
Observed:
**9:20**
